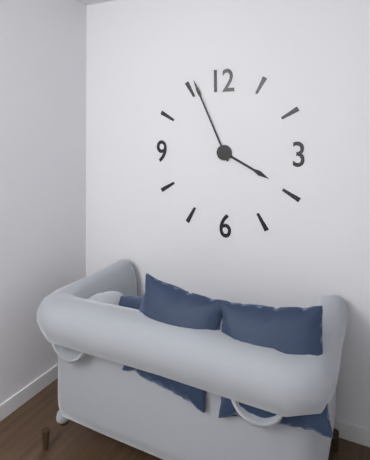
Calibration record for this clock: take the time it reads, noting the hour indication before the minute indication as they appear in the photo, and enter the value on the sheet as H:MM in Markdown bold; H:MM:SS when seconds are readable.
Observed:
**3:56**
